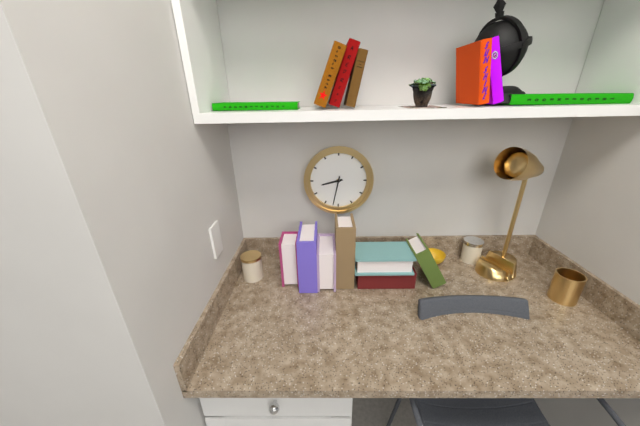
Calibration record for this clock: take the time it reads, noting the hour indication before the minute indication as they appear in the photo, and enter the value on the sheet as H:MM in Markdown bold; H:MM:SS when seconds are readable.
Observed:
**8:32**
